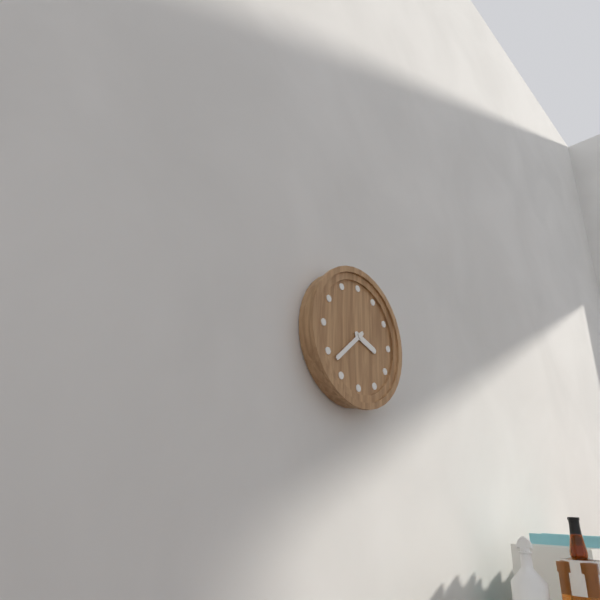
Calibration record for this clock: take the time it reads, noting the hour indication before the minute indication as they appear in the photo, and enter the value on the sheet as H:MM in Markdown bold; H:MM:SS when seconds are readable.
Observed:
**3:38**
